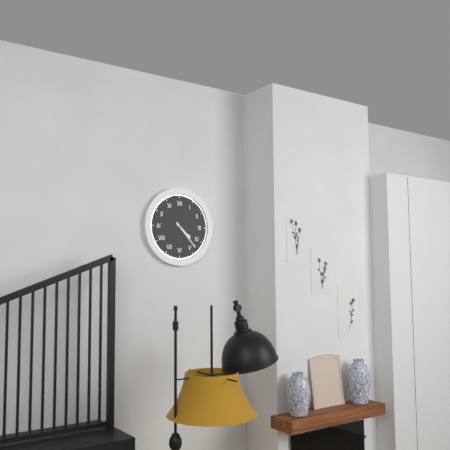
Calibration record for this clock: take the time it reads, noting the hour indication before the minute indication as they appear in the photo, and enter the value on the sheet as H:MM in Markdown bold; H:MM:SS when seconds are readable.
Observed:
**4:23**
